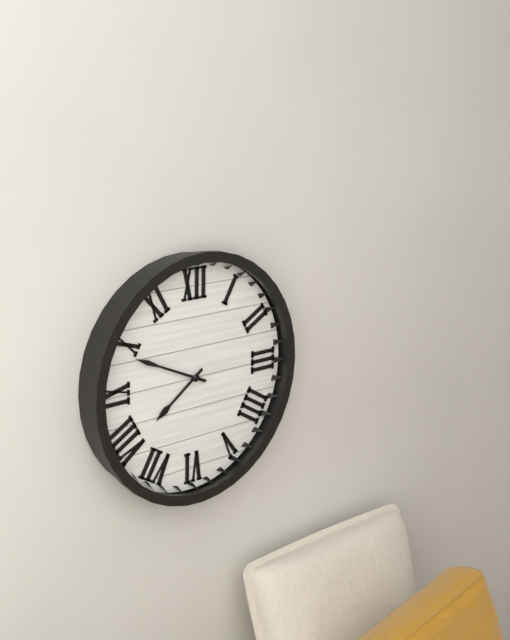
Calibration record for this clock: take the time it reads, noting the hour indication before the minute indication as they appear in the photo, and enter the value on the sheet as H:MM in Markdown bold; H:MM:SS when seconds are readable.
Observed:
**7:49**
